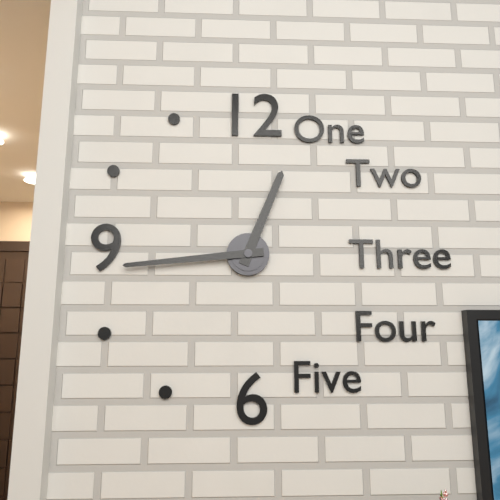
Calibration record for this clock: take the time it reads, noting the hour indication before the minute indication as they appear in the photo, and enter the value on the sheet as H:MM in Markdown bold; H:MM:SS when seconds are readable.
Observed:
**12:44**
